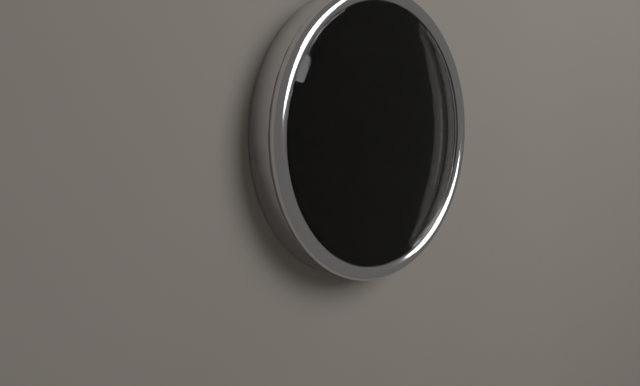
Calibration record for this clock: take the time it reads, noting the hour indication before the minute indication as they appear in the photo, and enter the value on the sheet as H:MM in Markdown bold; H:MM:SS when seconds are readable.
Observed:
**8:24**
